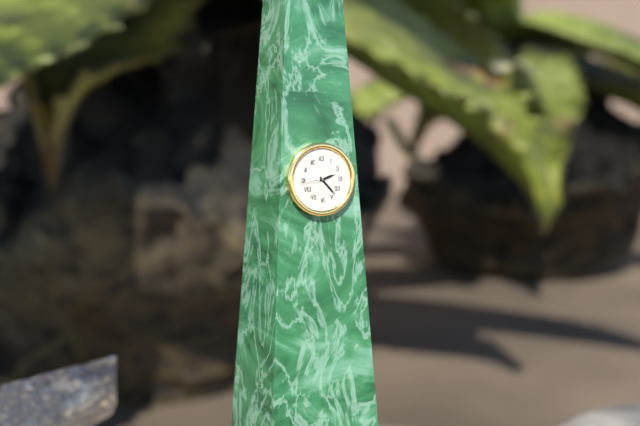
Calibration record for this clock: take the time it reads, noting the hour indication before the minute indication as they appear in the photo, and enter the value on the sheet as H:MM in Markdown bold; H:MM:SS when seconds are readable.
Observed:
**2:23**
